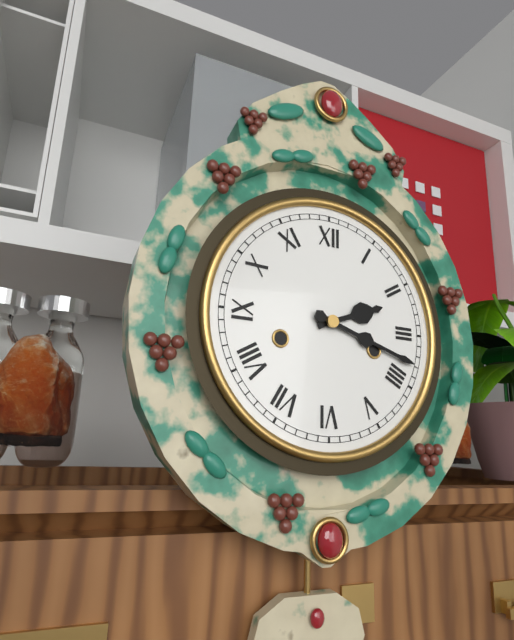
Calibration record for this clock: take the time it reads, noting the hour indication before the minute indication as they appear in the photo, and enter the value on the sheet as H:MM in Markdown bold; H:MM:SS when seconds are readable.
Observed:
**2:18**
